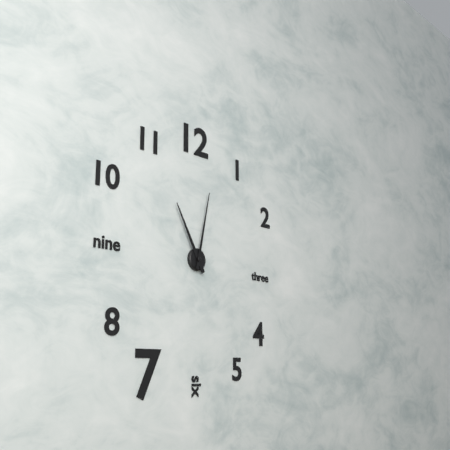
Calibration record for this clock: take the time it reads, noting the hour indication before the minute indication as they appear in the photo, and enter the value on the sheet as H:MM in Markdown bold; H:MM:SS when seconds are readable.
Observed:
**11:02**
